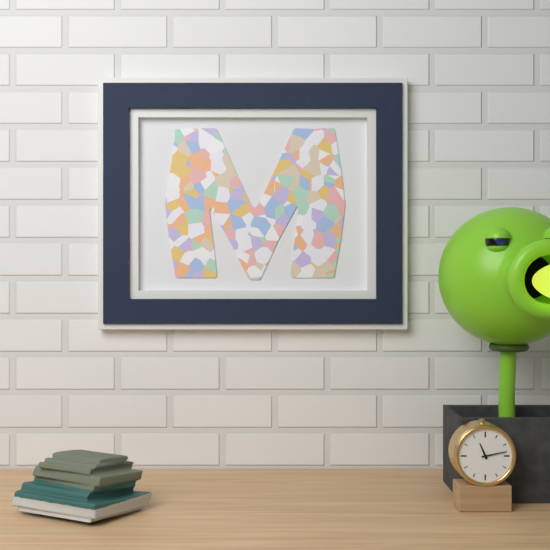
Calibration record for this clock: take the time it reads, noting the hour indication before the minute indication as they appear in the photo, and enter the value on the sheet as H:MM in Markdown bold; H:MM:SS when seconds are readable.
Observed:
**11:13**
